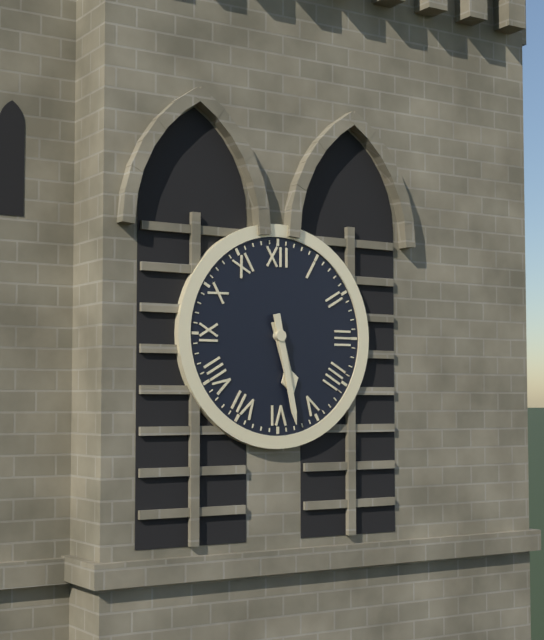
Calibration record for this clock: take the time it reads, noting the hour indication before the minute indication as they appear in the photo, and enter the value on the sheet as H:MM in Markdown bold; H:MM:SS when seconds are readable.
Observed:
**5:28**
